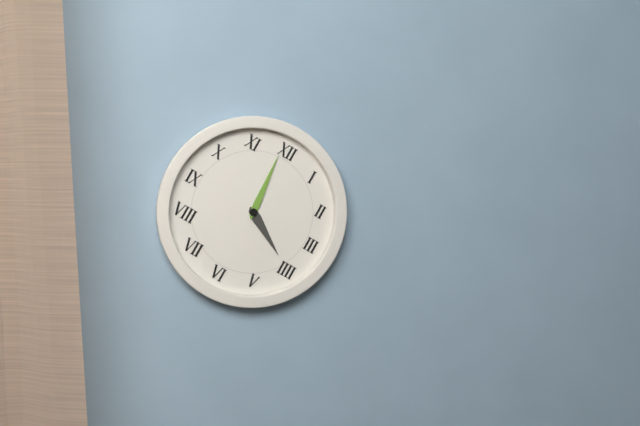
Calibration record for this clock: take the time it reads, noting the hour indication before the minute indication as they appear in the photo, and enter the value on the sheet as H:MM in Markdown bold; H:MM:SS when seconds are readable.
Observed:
**3:59**
